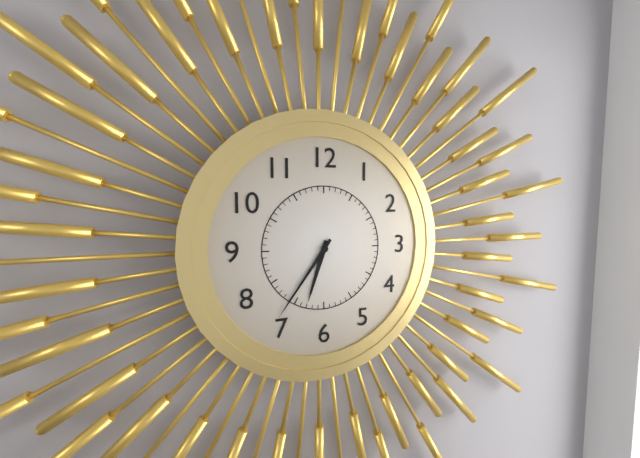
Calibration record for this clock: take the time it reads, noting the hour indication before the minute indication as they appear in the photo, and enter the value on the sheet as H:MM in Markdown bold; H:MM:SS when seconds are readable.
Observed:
**6:36**
